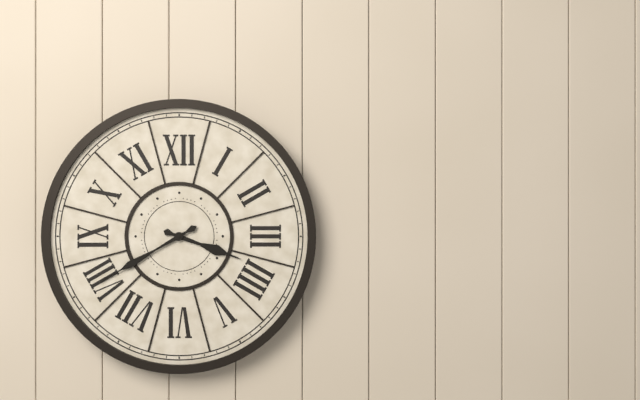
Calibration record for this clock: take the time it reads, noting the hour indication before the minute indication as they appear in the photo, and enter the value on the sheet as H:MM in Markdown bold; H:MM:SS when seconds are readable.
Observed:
**3:40**
